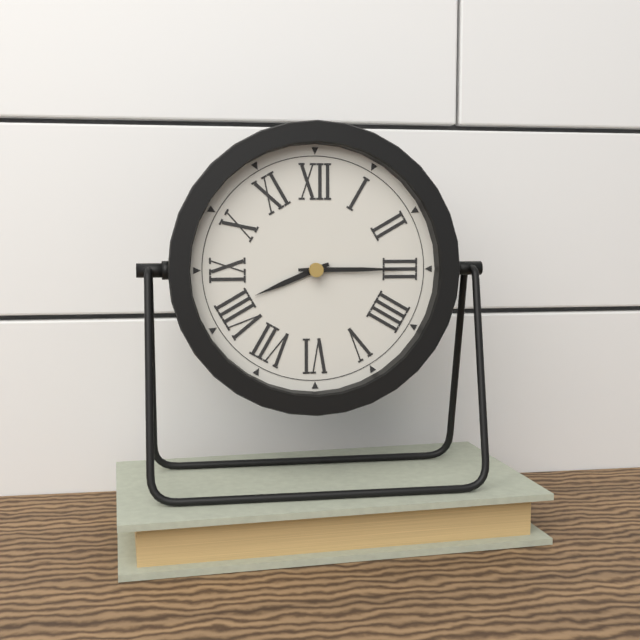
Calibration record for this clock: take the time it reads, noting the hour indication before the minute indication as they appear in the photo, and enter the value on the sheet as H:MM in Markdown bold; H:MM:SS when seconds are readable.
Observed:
**8:15**
